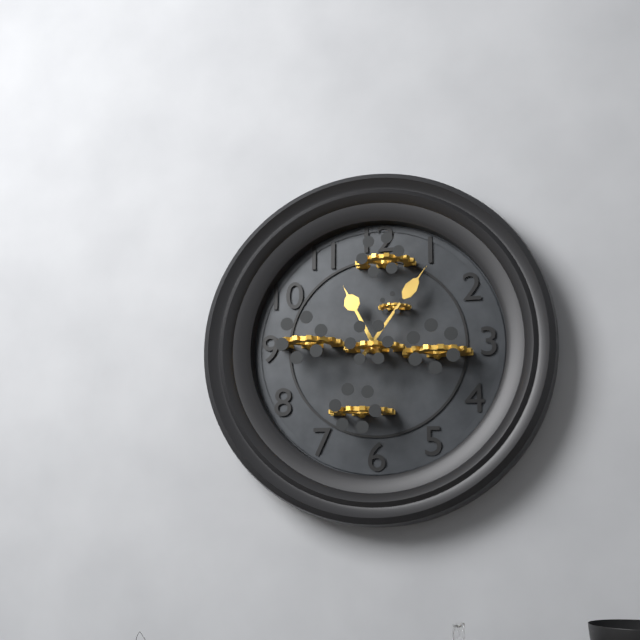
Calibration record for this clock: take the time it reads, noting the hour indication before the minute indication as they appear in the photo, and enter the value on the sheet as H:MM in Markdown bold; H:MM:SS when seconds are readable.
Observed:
**11:06**
